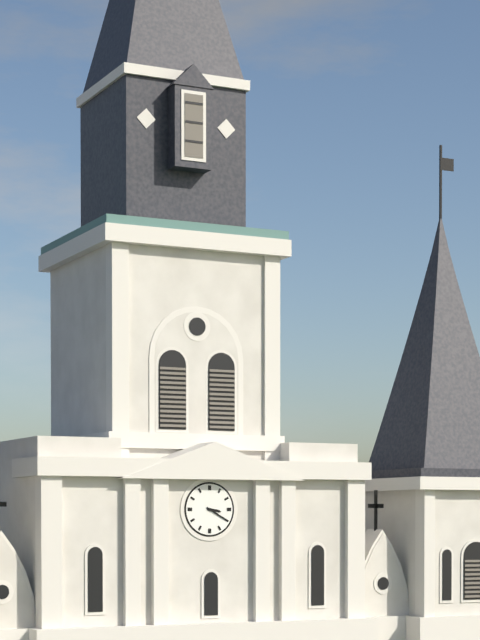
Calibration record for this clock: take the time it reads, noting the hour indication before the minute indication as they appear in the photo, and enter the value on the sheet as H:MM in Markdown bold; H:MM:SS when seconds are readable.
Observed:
**3:20**
